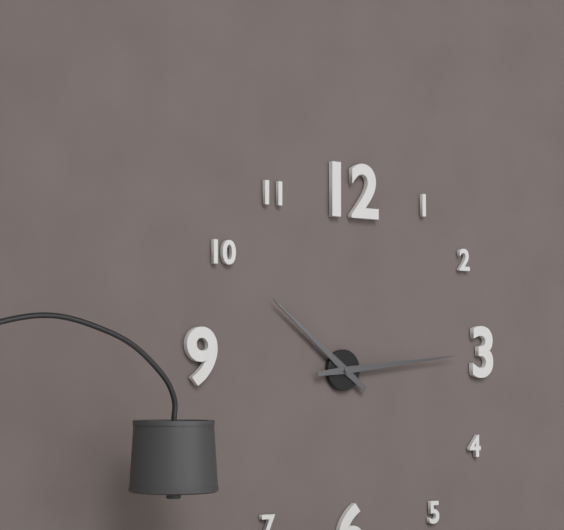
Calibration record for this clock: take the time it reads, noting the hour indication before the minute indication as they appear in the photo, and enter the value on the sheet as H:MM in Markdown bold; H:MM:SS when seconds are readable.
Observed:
**10:14**
